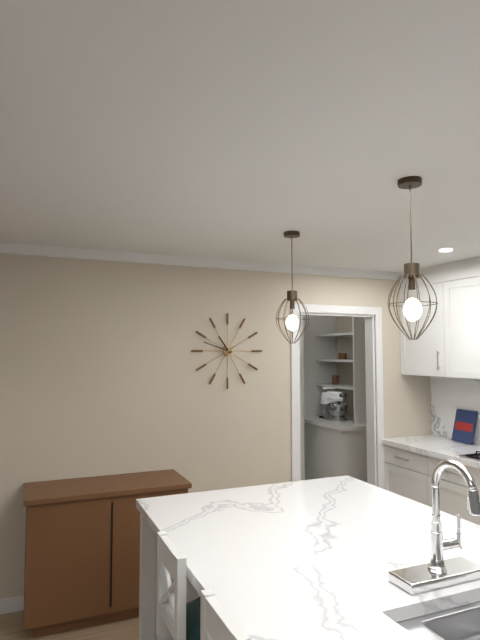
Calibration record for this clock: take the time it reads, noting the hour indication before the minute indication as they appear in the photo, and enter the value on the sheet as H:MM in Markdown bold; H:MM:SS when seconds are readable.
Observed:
**10:48**
